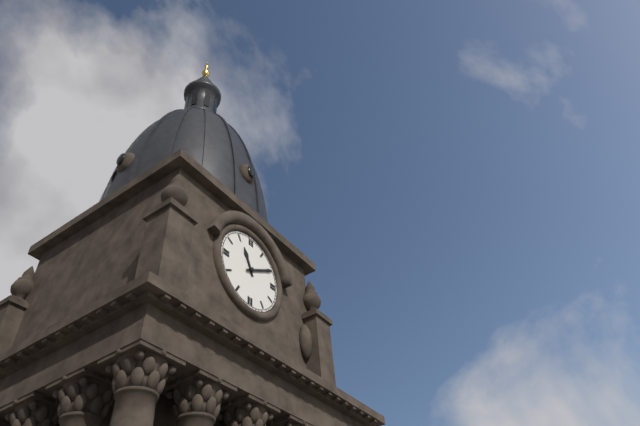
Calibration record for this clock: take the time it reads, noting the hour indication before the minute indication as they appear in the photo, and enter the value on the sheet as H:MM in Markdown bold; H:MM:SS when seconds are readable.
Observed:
**11:10**
